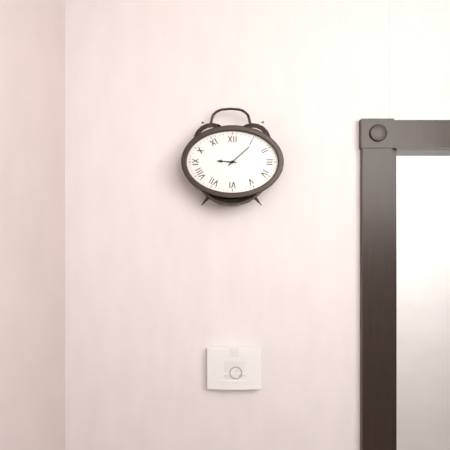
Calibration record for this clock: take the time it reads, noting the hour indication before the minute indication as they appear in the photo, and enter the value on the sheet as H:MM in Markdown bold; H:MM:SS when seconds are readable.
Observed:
**9:08**
